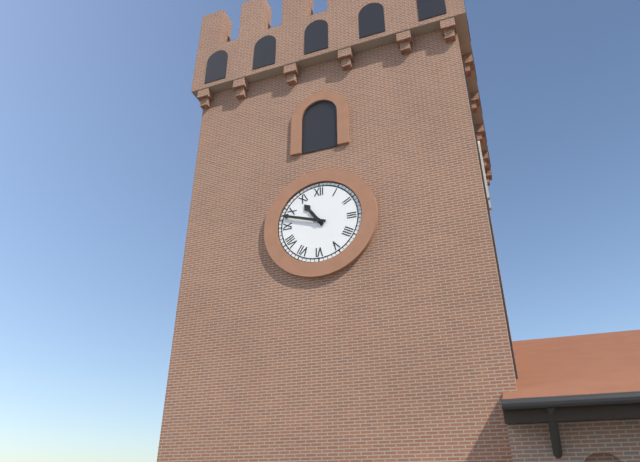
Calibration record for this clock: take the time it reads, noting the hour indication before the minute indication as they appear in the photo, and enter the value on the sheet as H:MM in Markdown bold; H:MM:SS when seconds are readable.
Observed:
**10:48**
